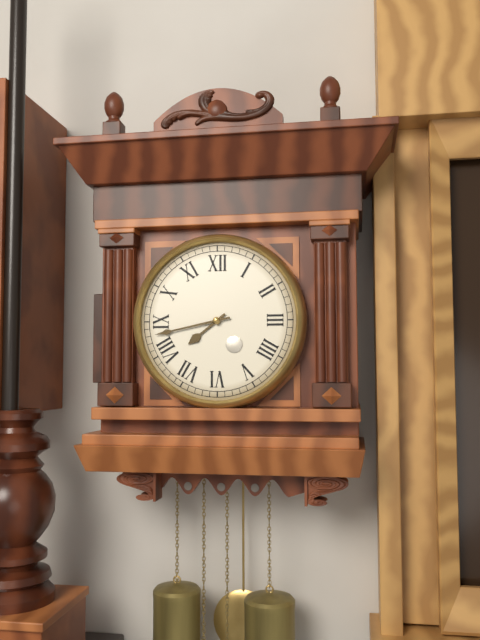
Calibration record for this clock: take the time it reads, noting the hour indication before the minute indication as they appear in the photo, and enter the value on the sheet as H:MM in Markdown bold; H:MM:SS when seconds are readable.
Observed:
**7:43**
